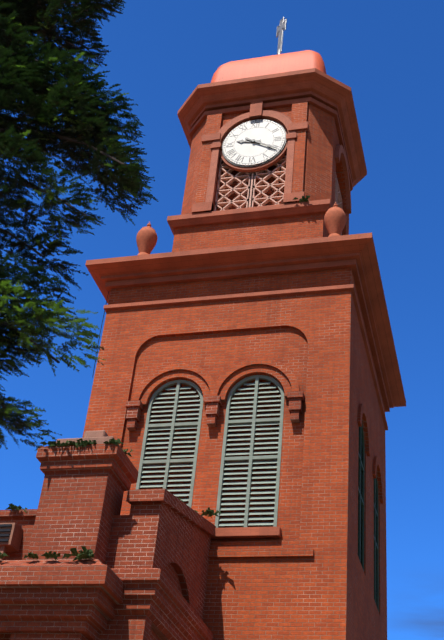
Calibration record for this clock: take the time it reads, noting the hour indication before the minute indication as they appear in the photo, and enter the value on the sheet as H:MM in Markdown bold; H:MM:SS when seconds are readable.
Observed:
**9:20**
